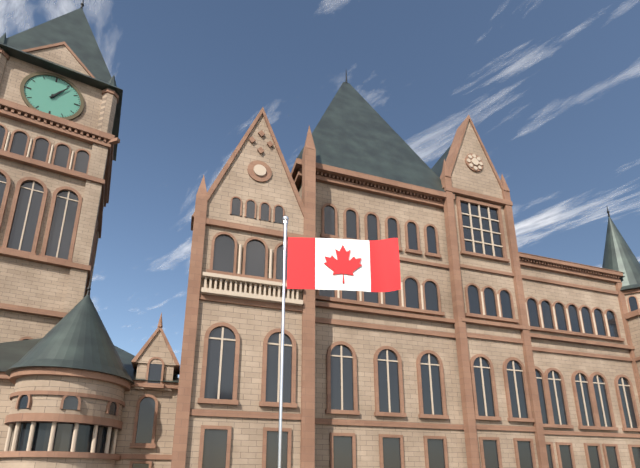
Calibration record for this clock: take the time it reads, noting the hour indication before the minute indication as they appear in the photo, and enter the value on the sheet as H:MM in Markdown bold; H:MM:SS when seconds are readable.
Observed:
**1:06**
